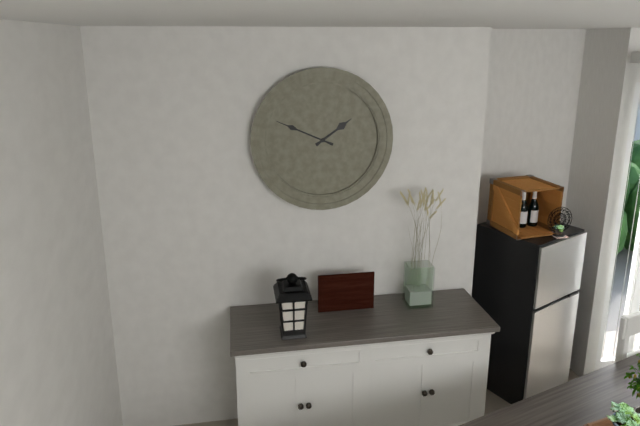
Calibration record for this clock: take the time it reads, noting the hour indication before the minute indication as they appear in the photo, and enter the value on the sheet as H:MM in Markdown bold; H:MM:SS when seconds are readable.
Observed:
**1:49**
